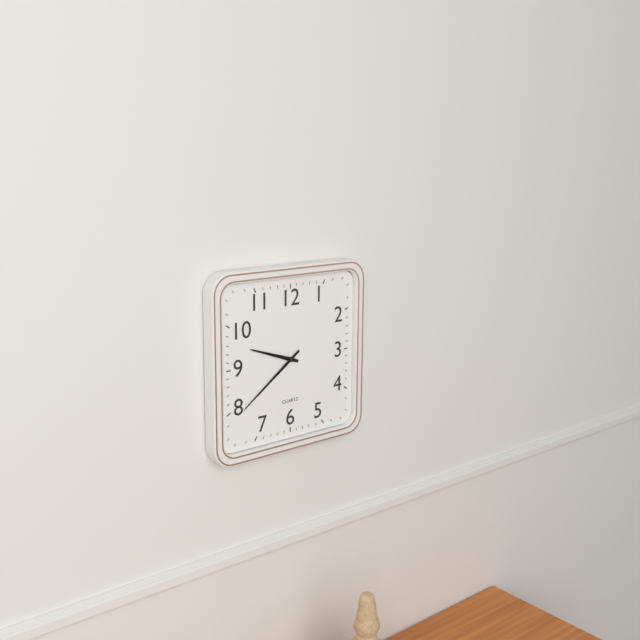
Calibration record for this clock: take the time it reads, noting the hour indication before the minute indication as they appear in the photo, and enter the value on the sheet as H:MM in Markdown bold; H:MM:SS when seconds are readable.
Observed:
**9:39**
